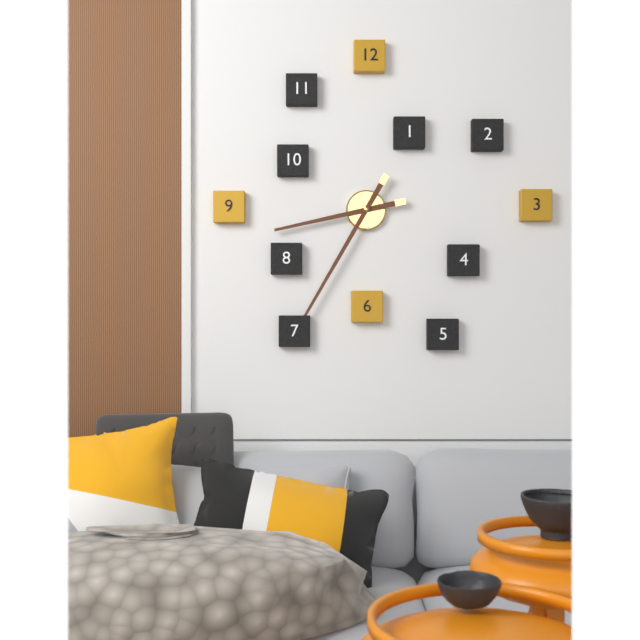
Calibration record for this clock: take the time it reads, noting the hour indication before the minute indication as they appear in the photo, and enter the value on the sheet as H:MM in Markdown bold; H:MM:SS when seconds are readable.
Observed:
**8:35**
